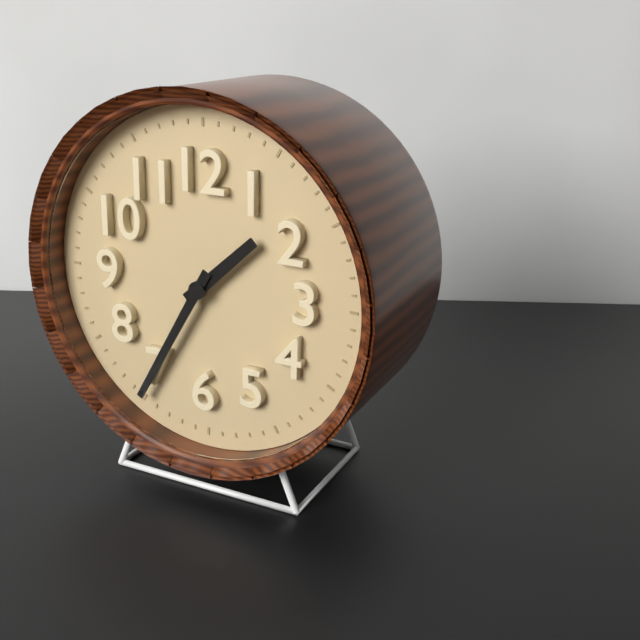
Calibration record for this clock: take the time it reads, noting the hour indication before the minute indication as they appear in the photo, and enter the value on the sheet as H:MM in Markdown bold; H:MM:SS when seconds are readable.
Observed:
**1:35**
